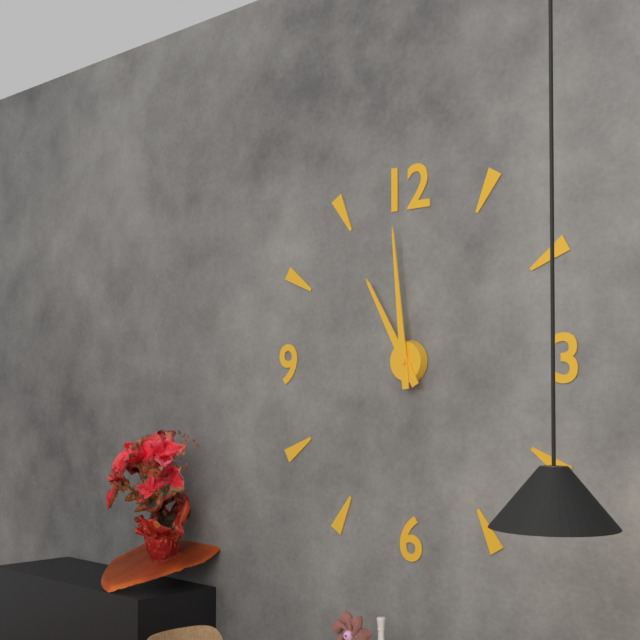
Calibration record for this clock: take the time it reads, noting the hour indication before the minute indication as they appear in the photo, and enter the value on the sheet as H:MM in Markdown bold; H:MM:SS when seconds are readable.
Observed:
**10:59**
